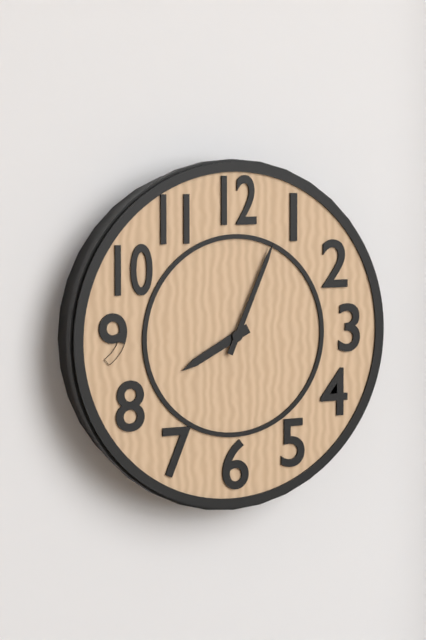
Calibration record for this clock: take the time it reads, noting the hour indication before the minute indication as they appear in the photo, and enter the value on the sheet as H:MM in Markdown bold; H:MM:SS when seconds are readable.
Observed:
**8:04**
